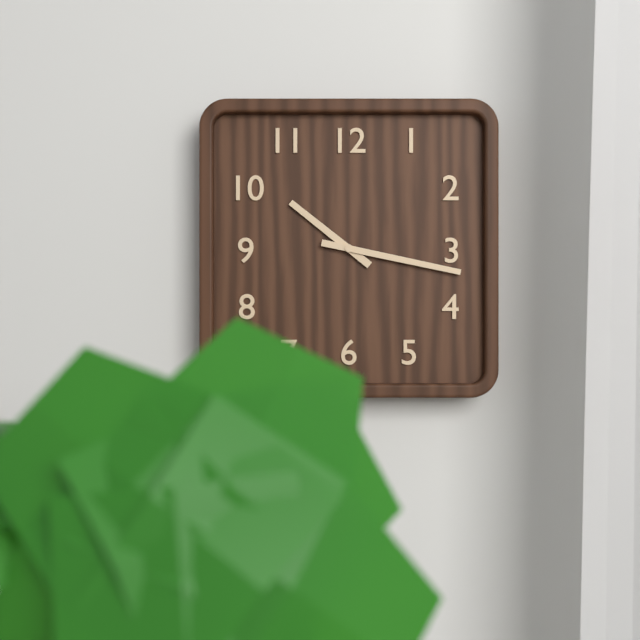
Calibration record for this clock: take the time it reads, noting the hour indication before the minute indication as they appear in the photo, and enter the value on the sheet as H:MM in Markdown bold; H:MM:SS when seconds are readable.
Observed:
**10:17**
